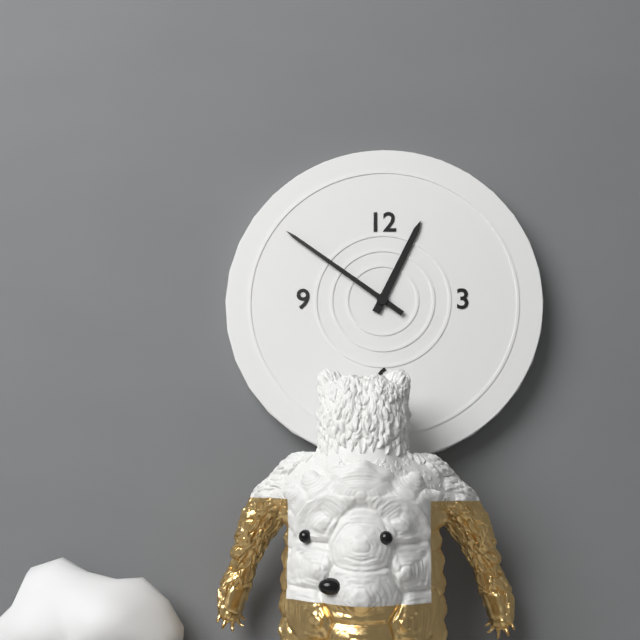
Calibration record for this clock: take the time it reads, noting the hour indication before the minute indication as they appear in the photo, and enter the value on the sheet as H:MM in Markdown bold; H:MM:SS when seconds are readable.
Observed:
**12:51**
